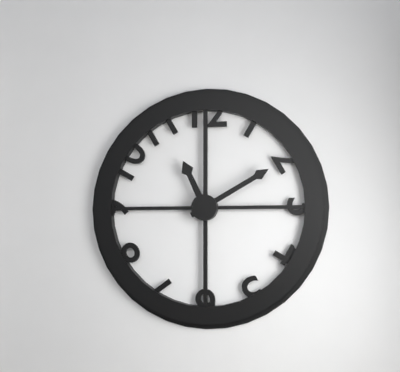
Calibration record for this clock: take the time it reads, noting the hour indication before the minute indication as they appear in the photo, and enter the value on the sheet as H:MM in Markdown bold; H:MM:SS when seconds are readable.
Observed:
**11:10**
